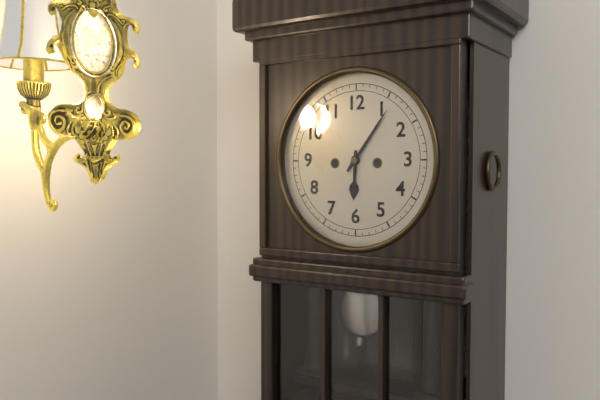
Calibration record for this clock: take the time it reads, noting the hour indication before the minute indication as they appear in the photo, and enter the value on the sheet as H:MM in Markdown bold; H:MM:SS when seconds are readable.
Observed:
**6:06**
